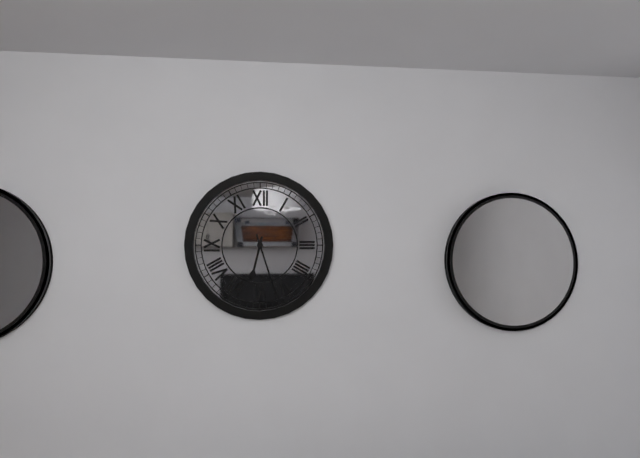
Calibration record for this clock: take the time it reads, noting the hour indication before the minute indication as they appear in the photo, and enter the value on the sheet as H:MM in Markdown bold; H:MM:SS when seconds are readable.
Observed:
**6:27**
